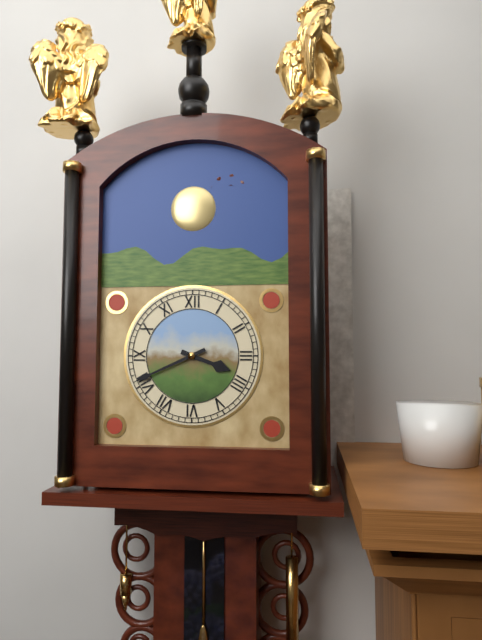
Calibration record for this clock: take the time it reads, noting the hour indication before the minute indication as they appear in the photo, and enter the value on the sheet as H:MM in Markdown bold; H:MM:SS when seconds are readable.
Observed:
**3:41**
